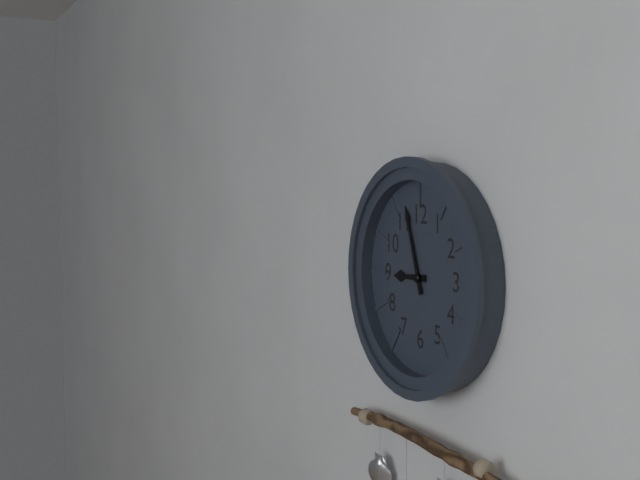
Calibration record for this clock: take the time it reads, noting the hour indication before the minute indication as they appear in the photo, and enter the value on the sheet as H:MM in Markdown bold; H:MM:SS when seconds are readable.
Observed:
**8:57**
